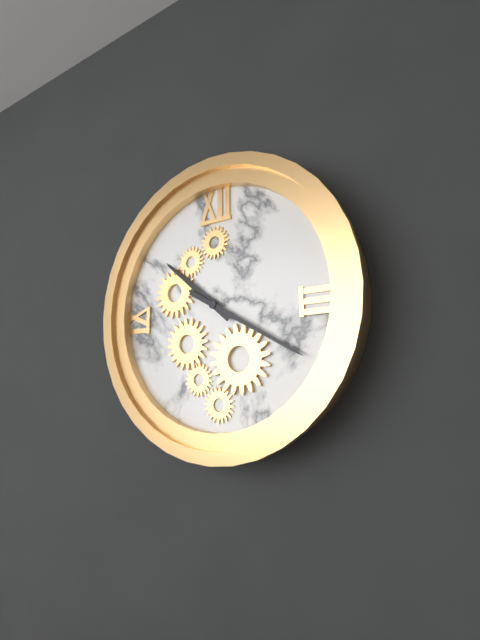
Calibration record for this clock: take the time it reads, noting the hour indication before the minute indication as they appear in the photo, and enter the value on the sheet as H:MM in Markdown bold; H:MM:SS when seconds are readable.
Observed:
**10:20**
